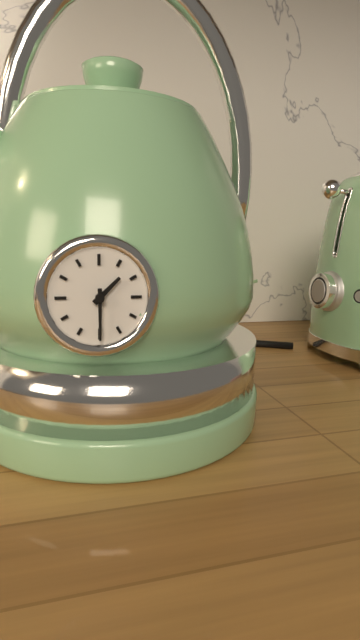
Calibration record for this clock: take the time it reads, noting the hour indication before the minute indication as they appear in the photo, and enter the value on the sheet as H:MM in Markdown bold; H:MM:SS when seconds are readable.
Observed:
**1:30**
